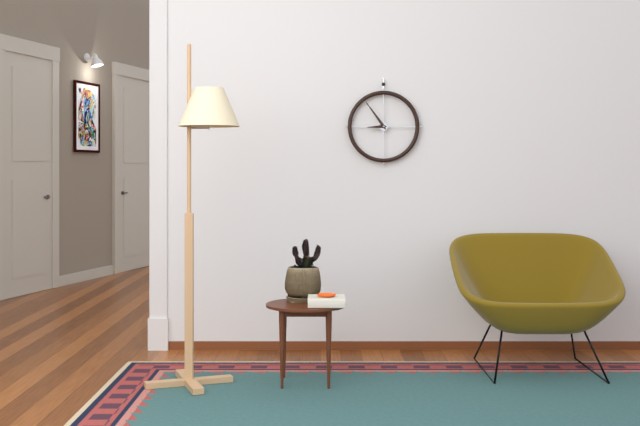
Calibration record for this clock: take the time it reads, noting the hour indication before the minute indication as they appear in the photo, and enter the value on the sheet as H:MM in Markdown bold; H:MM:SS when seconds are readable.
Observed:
**8:54**
